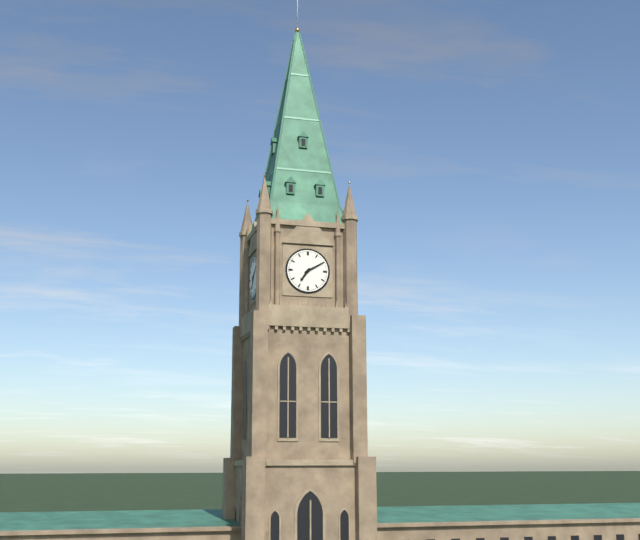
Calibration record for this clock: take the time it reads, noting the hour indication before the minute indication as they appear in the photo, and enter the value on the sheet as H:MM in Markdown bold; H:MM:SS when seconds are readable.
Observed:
**7:10**
